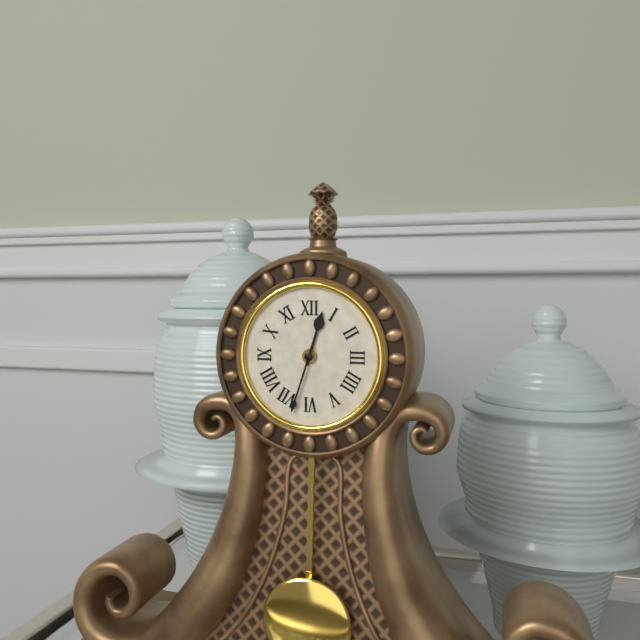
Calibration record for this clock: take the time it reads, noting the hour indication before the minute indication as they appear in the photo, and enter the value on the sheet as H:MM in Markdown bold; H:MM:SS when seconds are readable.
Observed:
**12:33**
